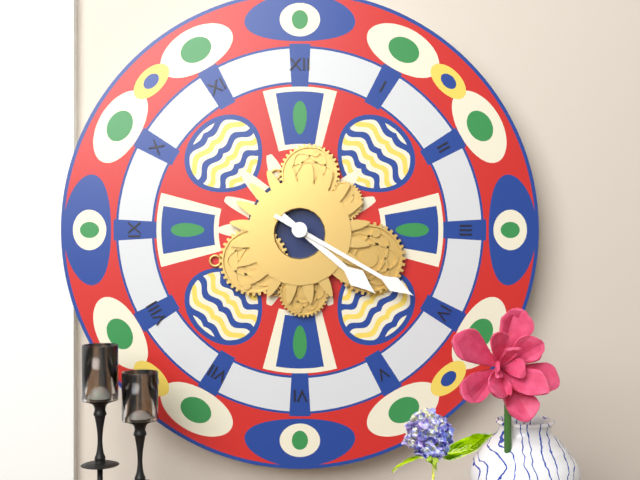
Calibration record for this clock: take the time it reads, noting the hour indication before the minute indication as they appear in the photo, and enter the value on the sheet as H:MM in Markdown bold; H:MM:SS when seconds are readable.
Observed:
**4:20**
